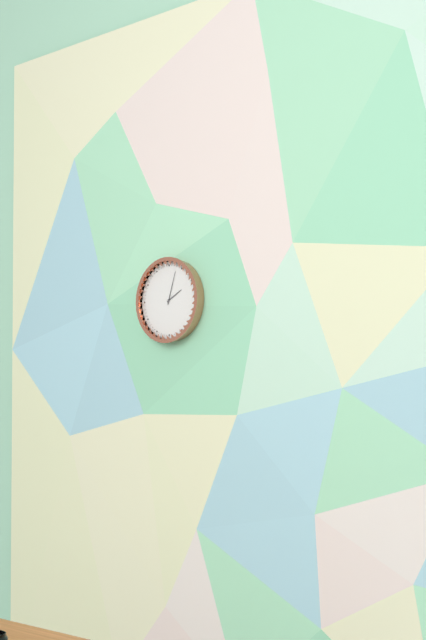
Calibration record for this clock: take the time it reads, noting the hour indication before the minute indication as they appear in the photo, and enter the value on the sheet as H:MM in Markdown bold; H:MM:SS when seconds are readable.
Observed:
**2:03**
